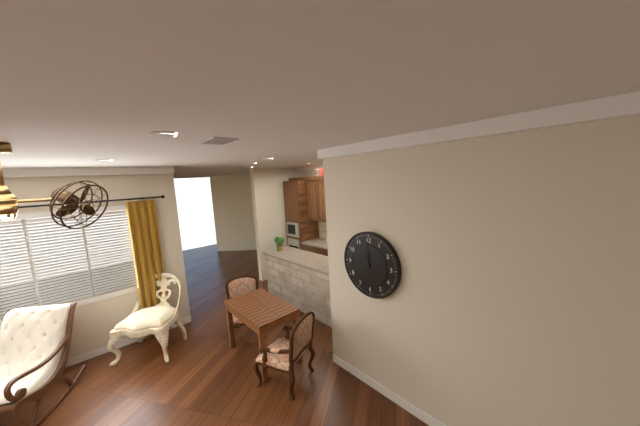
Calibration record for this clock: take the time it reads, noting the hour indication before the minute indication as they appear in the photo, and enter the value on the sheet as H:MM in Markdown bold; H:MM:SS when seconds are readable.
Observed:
**10:59**
